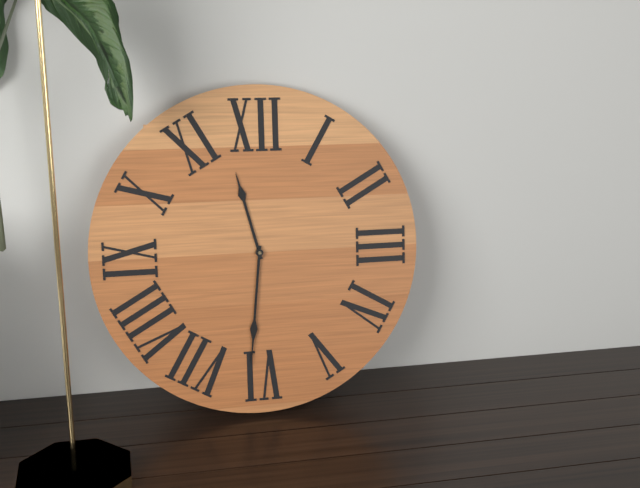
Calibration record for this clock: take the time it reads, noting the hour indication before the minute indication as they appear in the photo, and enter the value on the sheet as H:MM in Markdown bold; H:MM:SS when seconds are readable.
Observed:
**11:31**
